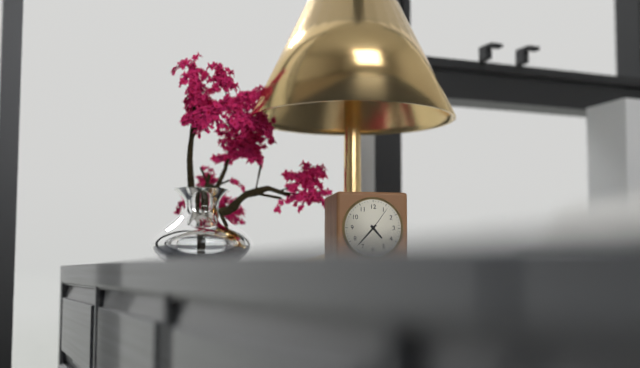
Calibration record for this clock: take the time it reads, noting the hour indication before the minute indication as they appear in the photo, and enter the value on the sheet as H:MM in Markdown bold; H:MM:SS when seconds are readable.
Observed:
**4:37**
